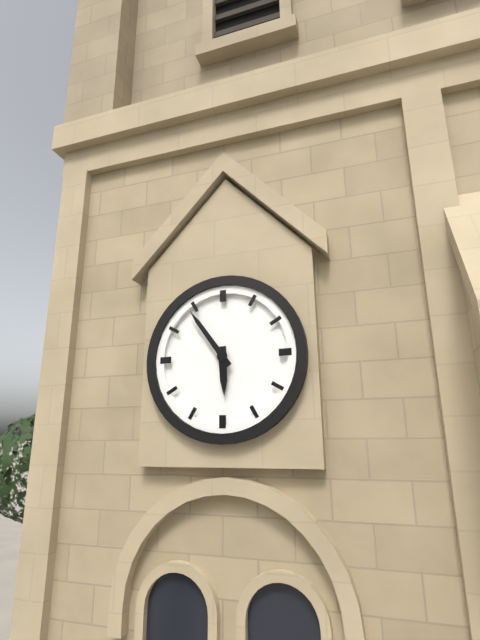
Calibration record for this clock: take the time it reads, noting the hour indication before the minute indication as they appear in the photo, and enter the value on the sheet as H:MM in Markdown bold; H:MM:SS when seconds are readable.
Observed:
**5:54**
